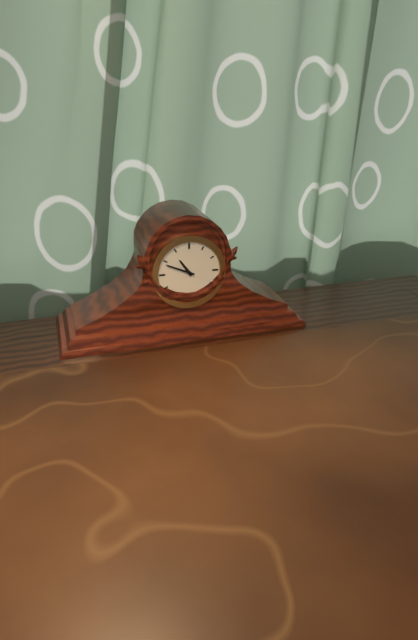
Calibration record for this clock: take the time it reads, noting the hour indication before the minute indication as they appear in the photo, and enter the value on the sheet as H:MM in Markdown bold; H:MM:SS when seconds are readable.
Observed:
**10:49**
